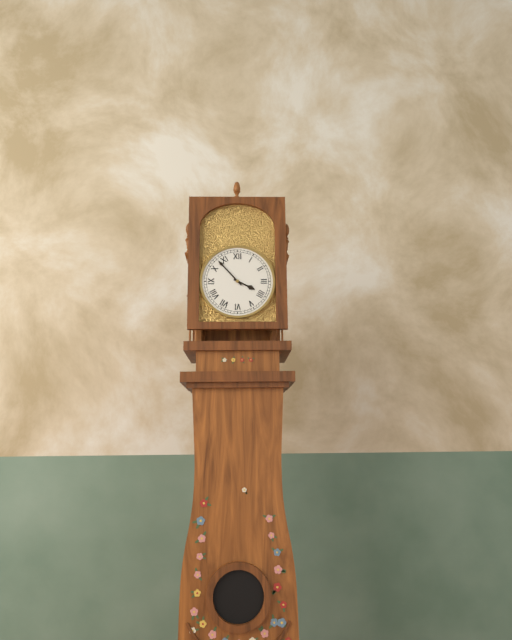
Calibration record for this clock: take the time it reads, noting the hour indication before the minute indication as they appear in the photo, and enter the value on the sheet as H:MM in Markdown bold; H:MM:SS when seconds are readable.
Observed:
**3:53**
